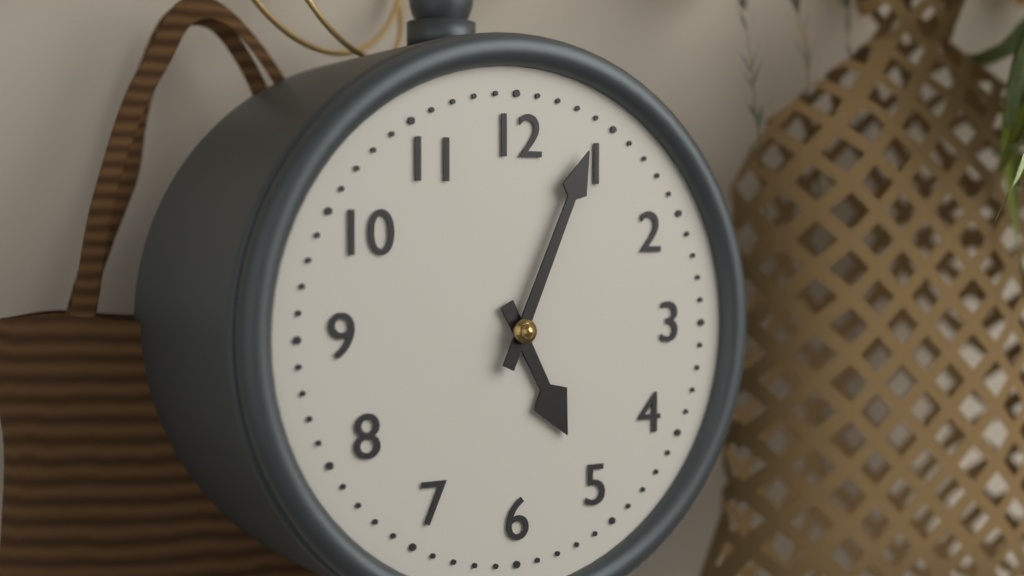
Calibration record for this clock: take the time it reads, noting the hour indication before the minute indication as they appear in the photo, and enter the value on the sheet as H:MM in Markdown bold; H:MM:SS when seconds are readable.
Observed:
**5:04**
